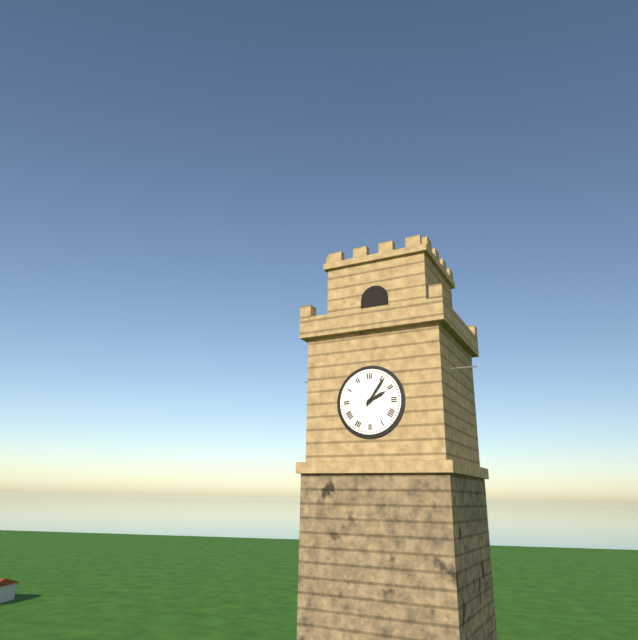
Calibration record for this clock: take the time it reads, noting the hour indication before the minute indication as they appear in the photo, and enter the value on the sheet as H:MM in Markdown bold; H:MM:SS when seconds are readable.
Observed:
**2:06**
